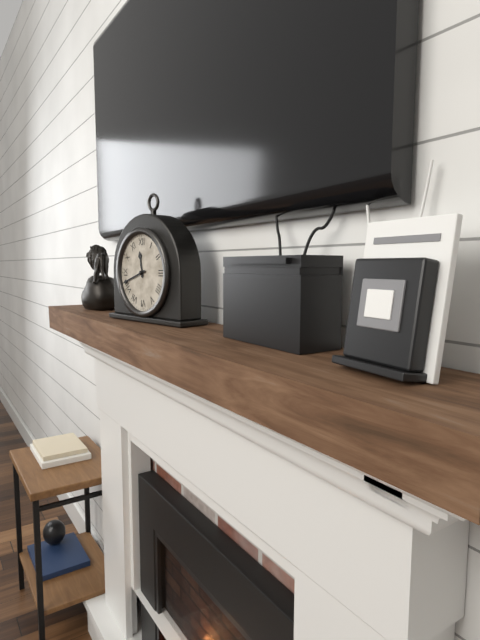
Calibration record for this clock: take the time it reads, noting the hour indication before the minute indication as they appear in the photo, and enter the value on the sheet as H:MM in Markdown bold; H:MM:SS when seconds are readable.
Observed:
**11:42**
